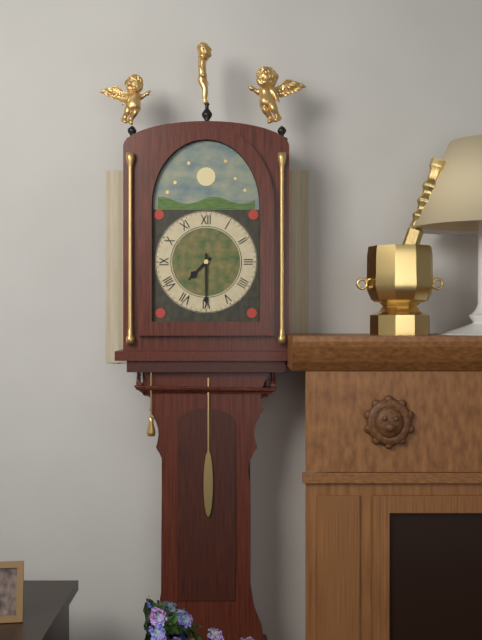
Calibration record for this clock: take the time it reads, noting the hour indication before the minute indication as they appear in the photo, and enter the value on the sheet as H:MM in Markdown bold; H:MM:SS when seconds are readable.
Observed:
**7:30**
